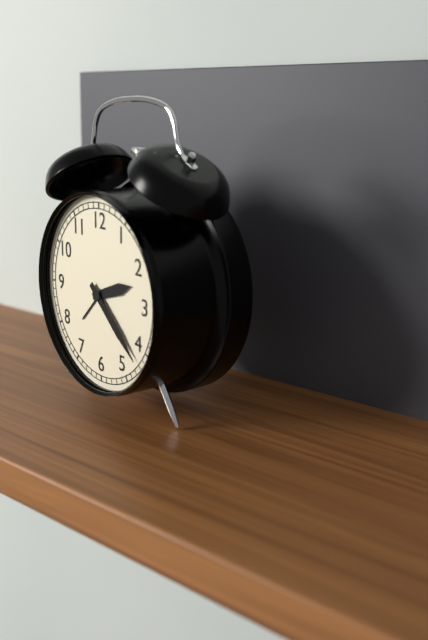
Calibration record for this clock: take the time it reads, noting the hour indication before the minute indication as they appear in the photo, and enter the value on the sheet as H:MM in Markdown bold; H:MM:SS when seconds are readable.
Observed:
**2:22**
